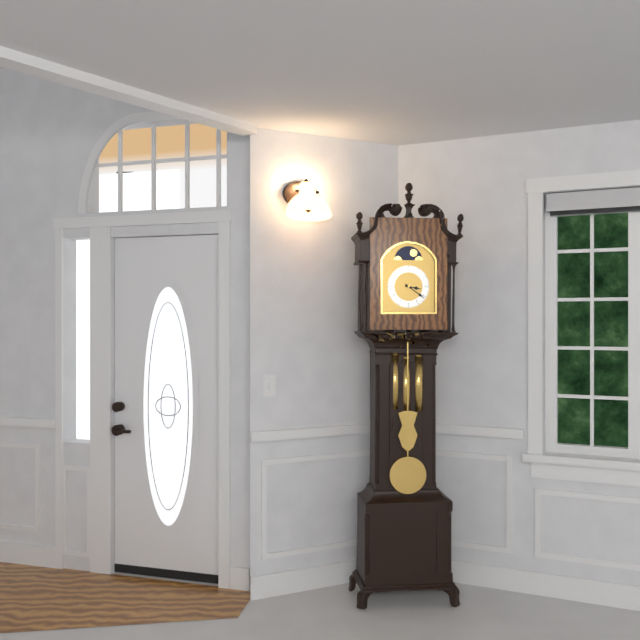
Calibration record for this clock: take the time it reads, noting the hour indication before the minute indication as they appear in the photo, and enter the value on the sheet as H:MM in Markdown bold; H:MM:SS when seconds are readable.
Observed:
**3:21**
